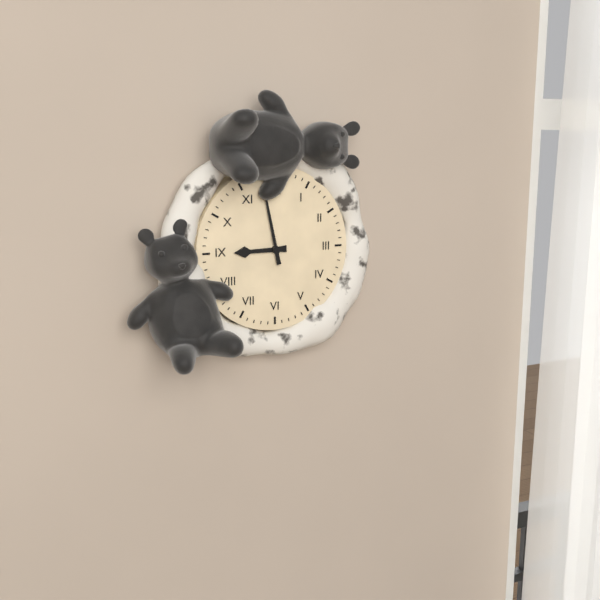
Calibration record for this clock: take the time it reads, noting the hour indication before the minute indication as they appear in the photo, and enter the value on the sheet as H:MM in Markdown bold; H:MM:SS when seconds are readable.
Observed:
**8:58**
